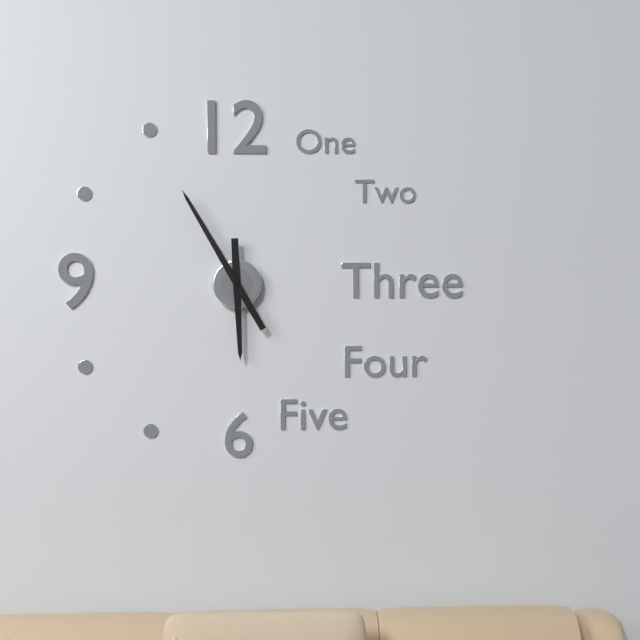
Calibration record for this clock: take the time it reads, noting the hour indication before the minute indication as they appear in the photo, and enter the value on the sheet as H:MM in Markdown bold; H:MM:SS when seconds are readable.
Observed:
**5:55**
